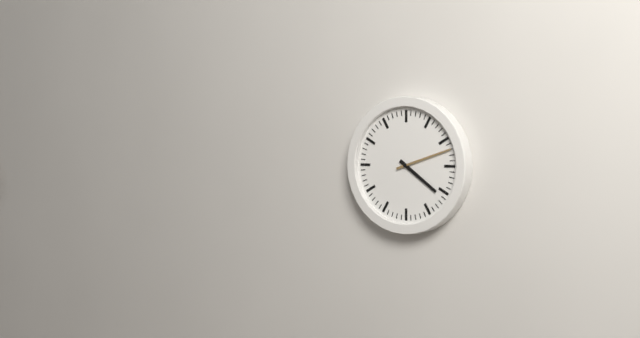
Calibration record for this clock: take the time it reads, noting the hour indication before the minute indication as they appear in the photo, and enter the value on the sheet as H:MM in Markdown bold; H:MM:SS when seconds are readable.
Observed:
**4:12**
